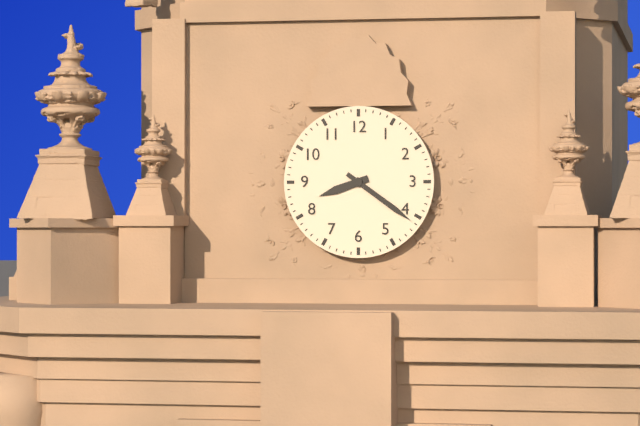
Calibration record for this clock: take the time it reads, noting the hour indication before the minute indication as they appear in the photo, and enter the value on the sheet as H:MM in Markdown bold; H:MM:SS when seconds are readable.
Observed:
**8:21**
